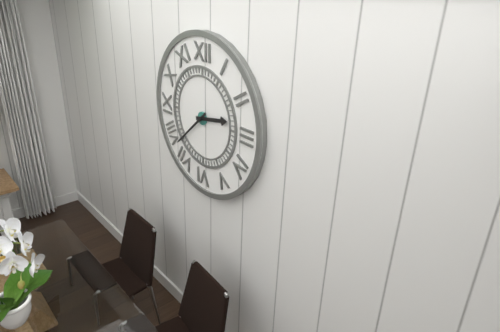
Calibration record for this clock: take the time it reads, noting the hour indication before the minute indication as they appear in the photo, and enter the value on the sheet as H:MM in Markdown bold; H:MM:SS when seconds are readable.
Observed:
**2:38**
